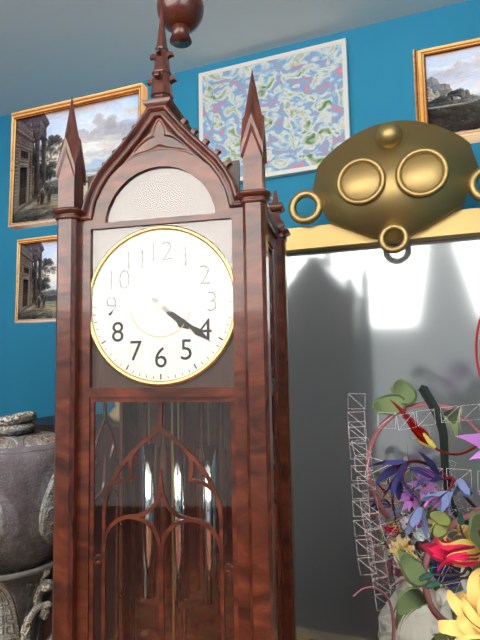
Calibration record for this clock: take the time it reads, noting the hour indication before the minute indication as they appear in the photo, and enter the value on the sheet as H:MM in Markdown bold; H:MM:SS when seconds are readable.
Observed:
**4:21**
